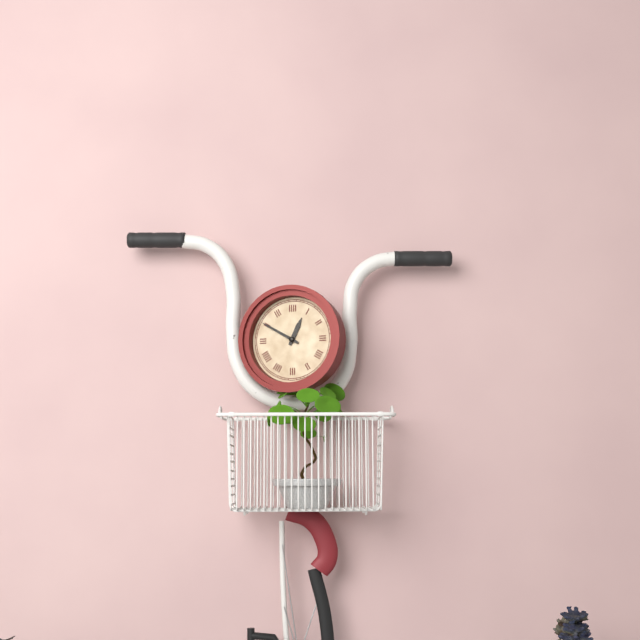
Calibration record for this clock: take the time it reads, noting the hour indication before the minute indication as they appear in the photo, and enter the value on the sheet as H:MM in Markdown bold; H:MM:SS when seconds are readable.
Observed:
**12:50**
